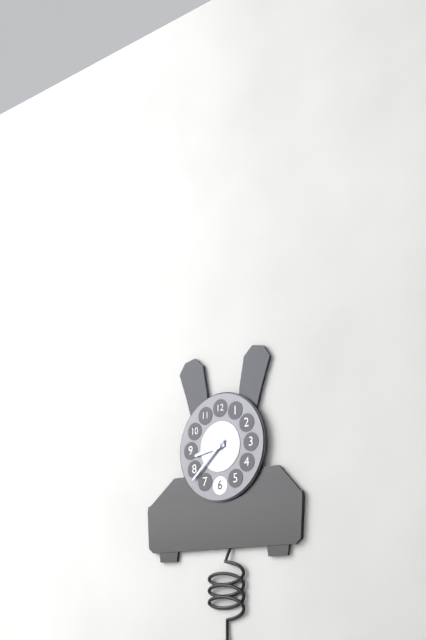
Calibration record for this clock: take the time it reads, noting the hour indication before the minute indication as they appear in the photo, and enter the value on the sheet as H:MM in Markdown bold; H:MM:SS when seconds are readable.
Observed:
**8:38**
